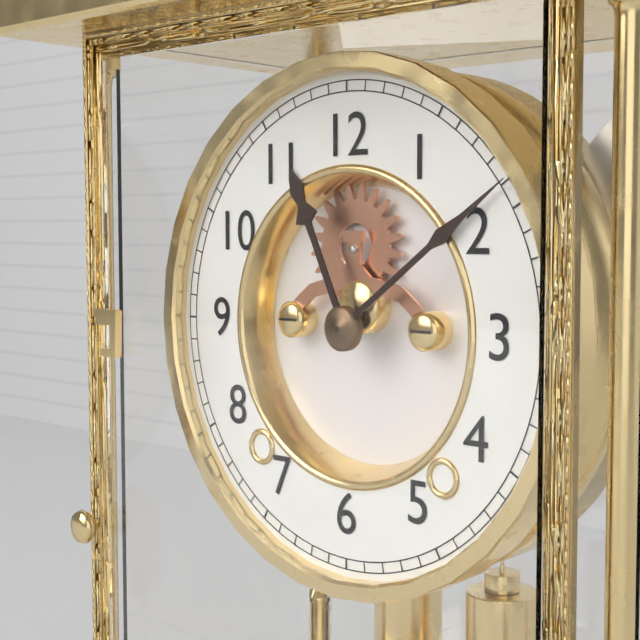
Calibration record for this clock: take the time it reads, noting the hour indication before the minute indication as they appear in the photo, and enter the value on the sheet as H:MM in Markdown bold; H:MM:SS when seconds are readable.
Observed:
**11:09**
